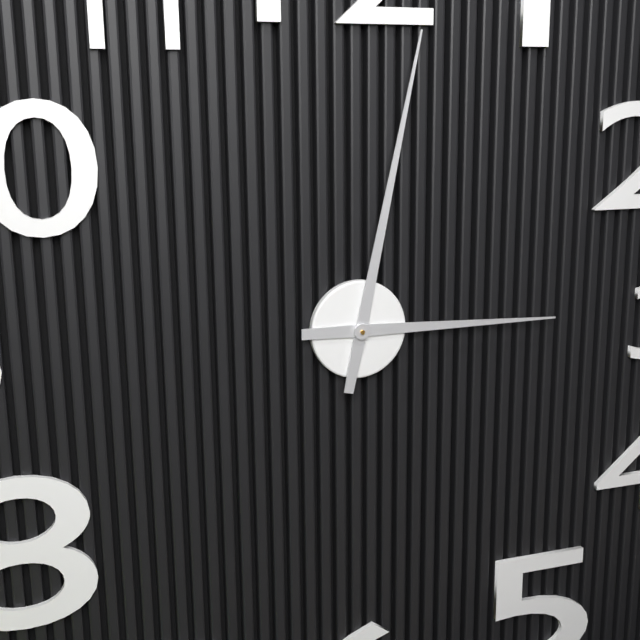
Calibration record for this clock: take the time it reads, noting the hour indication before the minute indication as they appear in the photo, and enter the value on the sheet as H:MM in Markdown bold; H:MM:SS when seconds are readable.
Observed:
**3:02**
